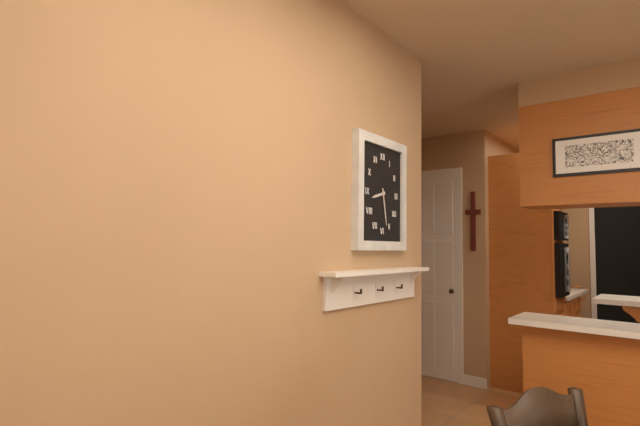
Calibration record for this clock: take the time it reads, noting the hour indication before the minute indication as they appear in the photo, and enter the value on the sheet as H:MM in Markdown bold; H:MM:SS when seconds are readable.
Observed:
**8:28**
